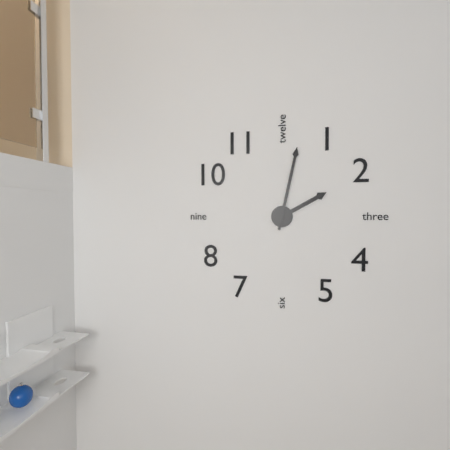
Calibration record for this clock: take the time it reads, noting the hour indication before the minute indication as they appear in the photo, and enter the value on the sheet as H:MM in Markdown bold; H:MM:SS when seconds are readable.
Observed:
**2:02**
